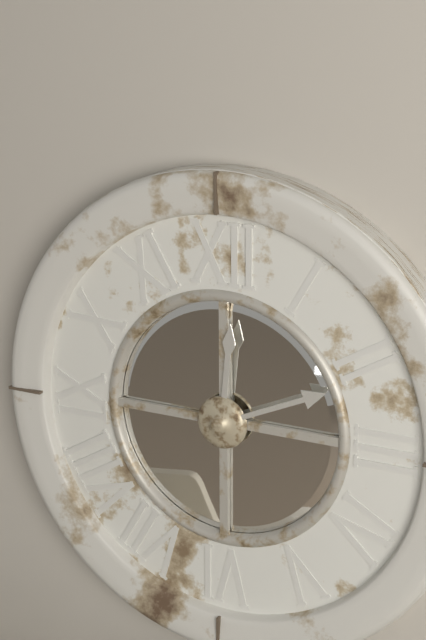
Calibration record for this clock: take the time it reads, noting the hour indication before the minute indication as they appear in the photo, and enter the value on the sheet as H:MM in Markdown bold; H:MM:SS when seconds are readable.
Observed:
**12:11**
